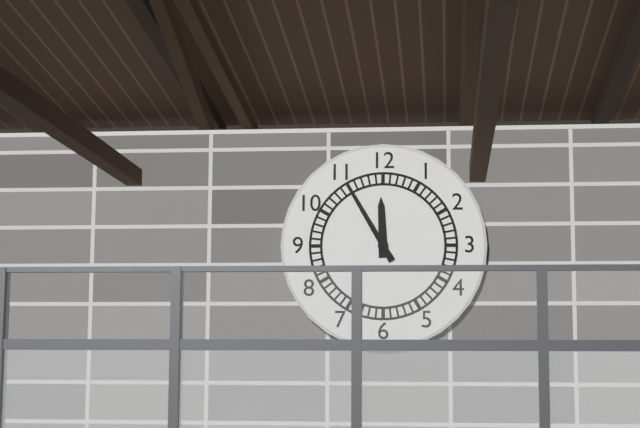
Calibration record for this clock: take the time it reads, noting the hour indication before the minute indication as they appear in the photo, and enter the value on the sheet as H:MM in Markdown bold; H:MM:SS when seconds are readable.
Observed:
**11:55**
